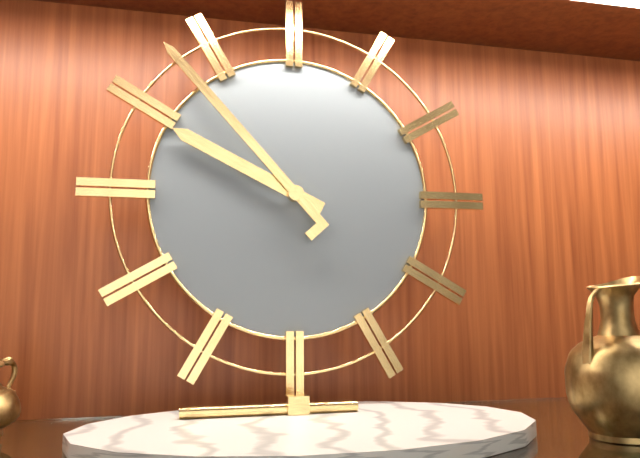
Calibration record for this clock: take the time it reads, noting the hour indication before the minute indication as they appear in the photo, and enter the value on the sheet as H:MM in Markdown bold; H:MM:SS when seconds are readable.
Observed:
**9:53**
